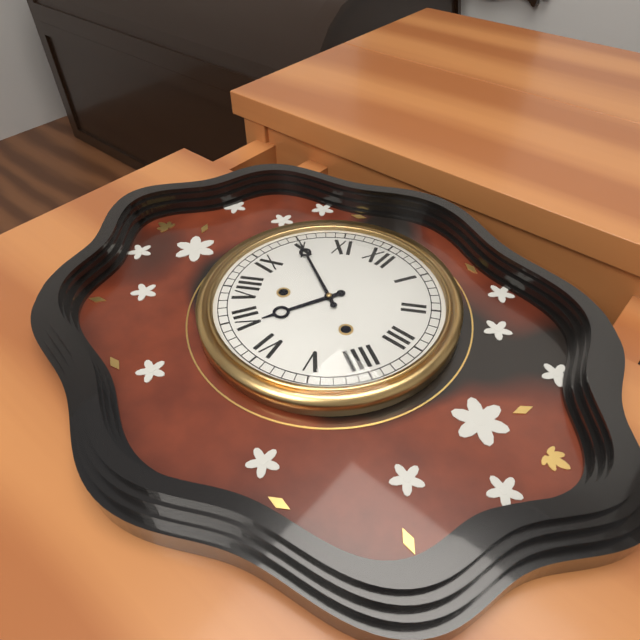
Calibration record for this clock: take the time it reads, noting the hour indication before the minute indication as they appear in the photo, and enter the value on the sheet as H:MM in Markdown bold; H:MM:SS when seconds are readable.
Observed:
**6:50**
